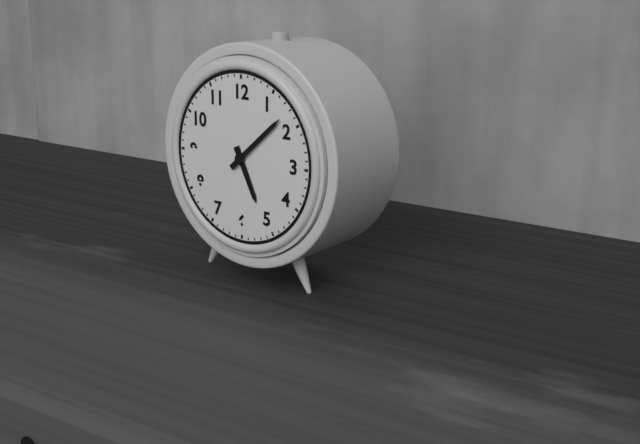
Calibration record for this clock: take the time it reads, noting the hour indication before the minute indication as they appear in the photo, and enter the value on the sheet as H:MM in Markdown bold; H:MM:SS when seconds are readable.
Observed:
**5:08**
